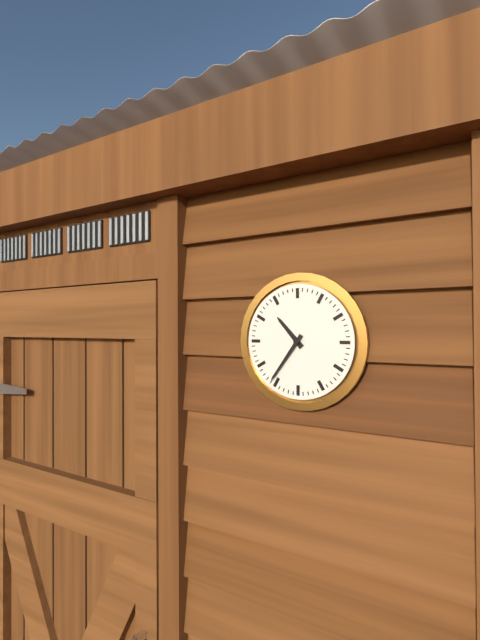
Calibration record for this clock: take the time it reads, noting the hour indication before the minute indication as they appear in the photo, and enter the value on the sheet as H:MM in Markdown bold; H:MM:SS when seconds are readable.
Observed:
**10:36**
